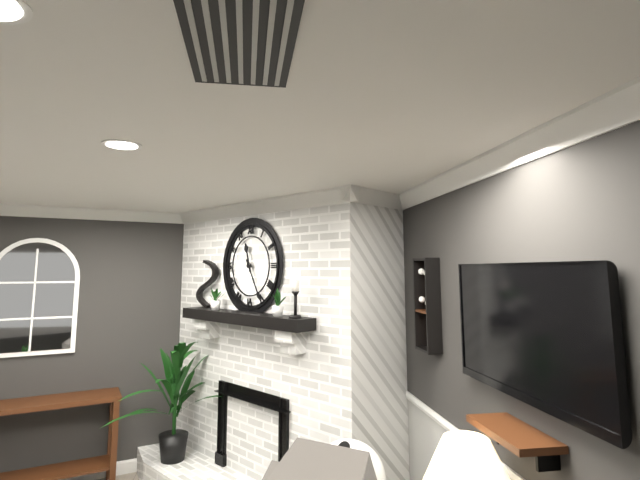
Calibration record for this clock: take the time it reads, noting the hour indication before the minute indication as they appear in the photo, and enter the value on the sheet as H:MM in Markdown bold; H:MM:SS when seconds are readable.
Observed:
**11:25**
